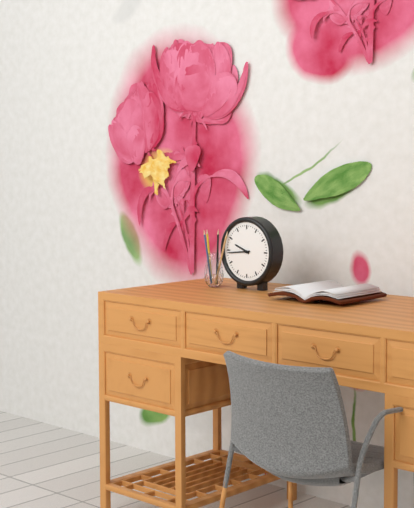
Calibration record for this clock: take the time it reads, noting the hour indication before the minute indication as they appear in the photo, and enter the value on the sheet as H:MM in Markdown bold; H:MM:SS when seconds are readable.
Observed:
**9:44**
